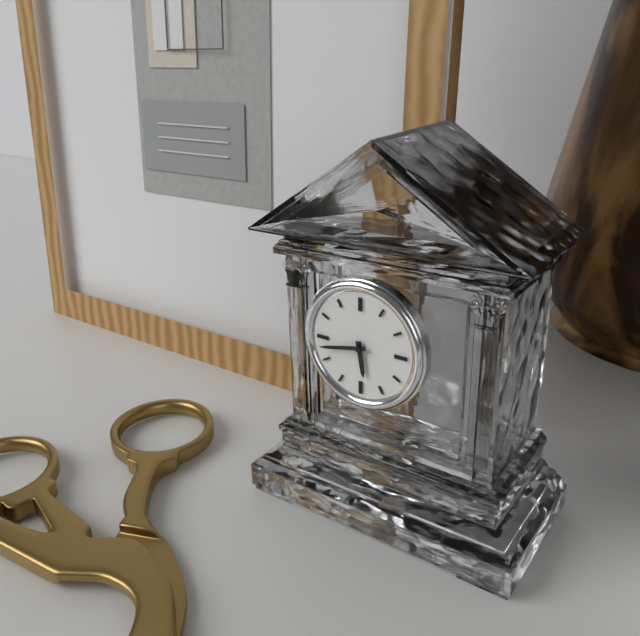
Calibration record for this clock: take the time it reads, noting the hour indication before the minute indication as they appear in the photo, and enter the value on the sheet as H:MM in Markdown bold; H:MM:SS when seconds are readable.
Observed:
**5:43**
